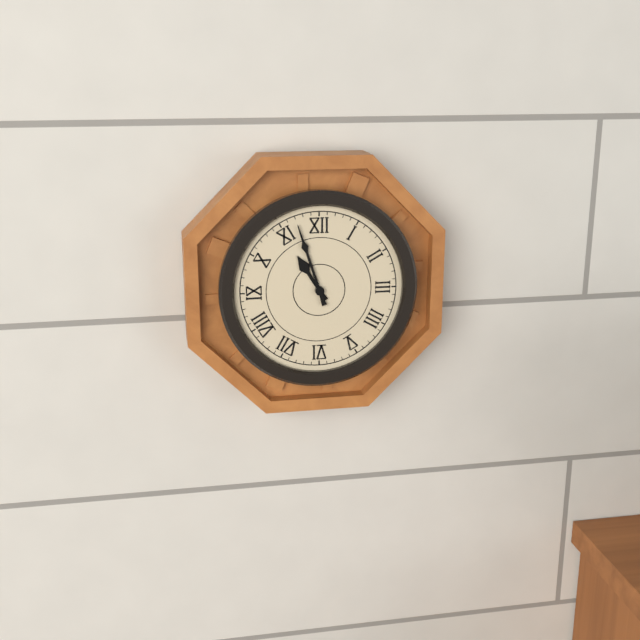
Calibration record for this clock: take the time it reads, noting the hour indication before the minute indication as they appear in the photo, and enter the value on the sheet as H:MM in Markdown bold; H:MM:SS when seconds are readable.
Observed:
**10:57**
